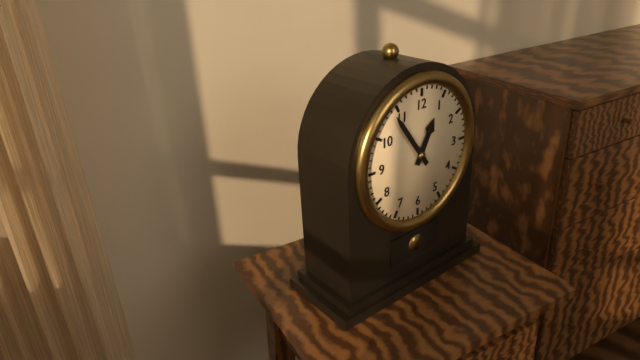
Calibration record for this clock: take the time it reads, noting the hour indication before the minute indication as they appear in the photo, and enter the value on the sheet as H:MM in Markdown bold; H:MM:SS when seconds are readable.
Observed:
**12:54**
